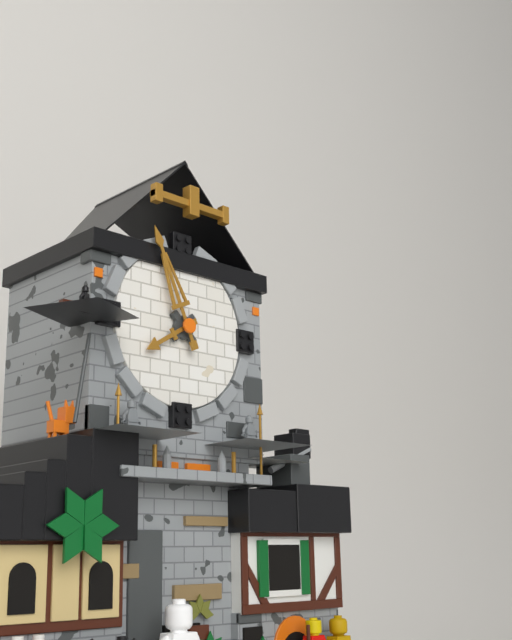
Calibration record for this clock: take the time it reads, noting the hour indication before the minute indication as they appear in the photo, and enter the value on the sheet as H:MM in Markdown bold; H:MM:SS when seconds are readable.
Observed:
**7:56**
